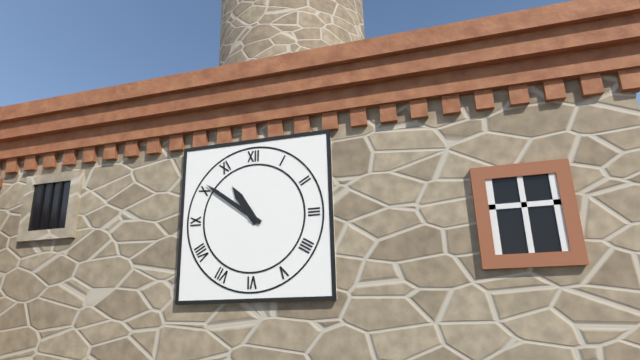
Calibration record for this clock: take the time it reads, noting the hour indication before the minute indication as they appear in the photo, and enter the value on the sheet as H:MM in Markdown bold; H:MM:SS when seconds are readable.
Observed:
**10:51**
